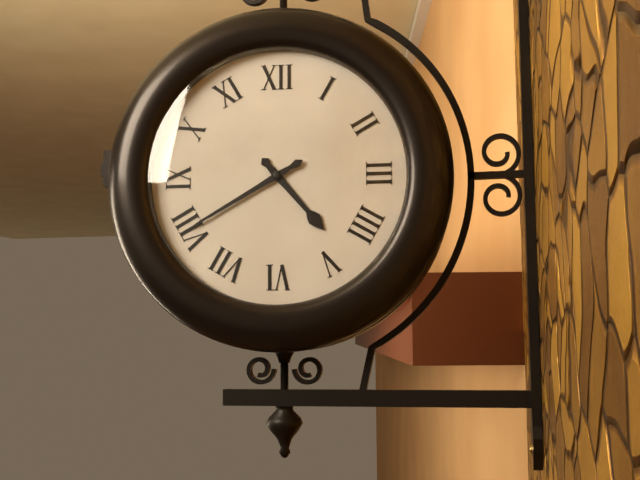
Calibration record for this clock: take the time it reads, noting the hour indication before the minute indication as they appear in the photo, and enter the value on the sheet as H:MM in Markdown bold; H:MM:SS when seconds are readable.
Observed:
**4:40**
